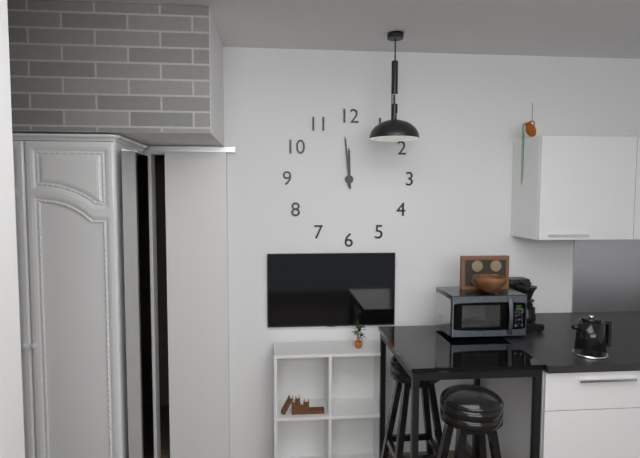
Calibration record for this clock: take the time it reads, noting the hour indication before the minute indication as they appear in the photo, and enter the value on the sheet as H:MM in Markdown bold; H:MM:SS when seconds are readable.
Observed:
**11:59**
